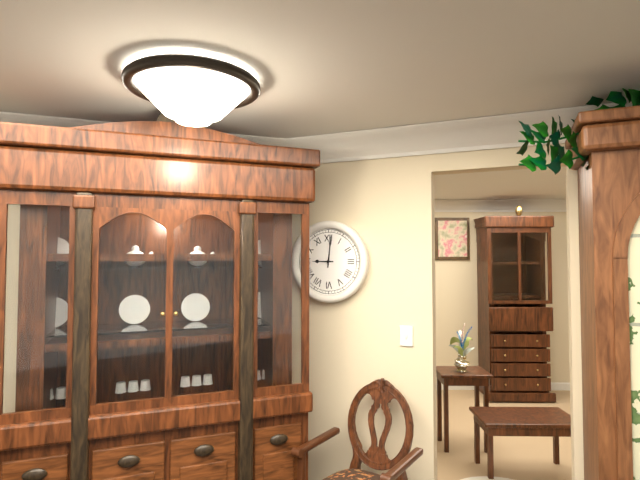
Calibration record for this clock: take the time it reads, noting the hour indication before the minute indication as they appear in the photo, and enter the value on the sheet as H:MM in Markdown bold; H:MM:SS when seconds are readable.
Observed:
**9:01**
